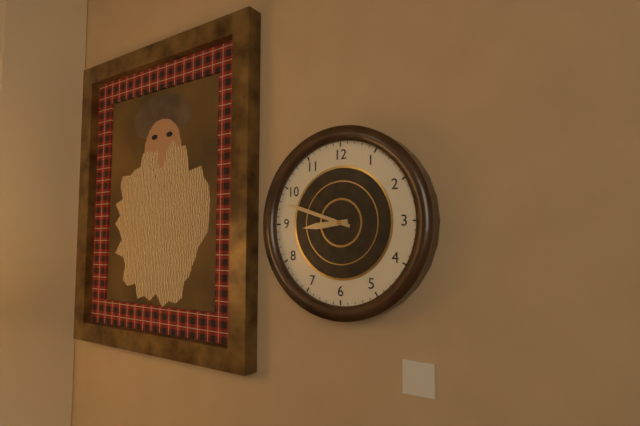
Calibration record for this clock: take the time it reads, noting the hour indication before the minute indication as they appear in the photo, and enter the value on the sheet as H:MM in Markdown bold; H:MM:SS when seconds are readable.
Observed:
**8:48**
